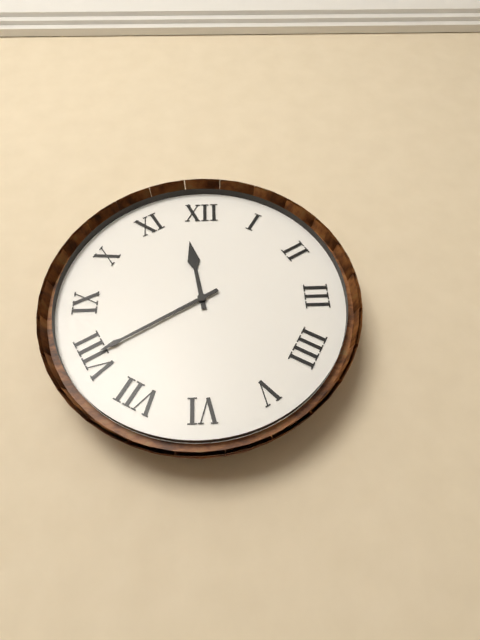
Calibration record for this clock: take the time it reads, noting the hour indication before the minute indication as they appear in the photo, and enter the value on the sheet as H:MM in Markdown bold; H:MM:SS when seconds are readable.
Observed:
**11:40**
